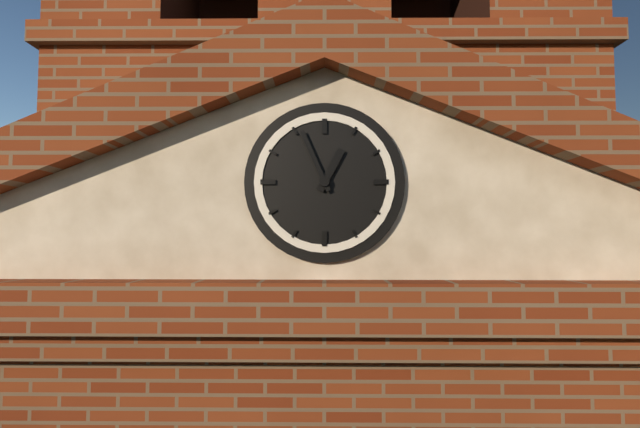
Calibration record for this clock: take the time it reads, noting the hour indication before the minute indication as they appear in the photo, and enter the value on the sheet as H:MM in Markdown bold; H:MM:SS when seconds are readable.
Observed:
**12:56**
